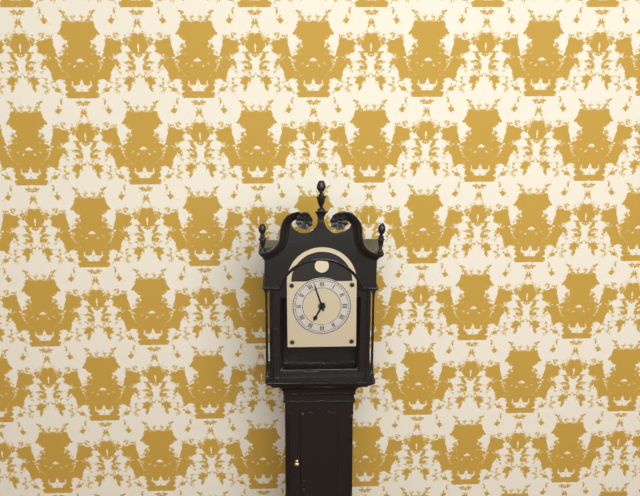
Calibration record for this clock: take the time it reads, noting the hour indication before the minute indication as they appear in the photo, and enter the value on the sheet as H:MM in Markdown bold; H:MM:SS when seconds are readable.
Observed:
**6:57**
